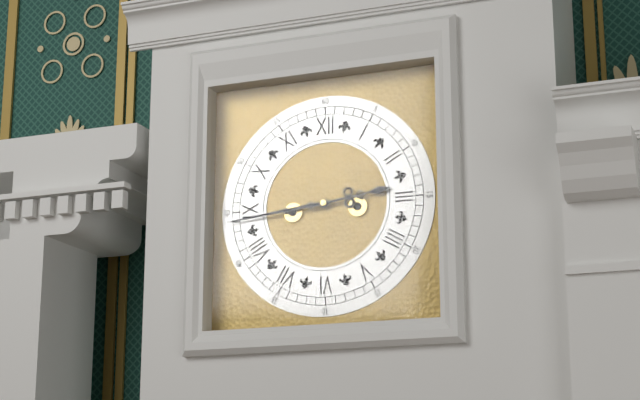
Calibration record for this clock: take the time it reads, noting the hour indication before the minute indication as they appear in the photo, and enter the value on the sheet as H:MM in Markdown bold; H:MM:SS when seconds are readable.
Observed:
**2:44**
